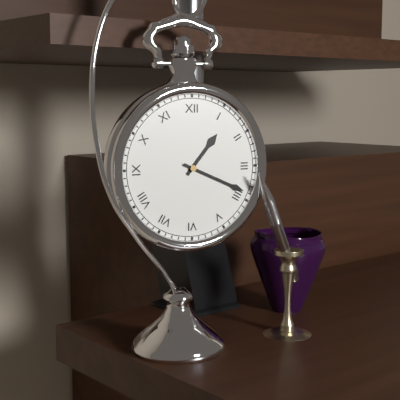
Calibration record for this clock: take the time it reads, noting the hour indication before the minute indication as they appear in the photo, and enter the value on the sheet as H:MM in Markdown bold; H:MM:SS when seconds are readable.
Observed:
**1:19**
